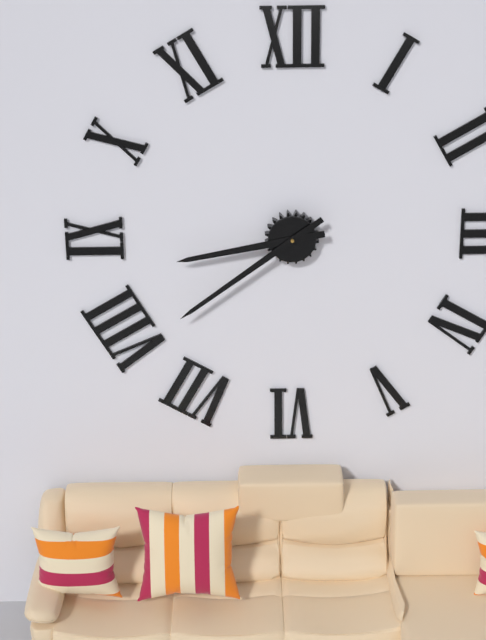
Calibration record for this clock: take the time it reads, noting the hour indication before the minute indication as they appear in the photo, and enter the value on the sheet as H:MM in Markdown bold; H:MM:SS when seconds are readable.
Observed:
**8:39**
